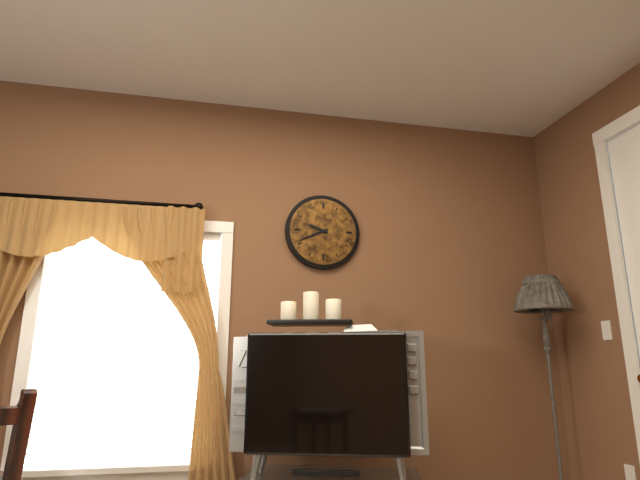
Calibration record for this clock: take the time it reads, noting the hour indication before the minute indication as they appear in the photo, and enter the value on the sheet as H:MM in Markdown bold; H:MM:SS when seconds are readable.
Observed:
**9:41**
